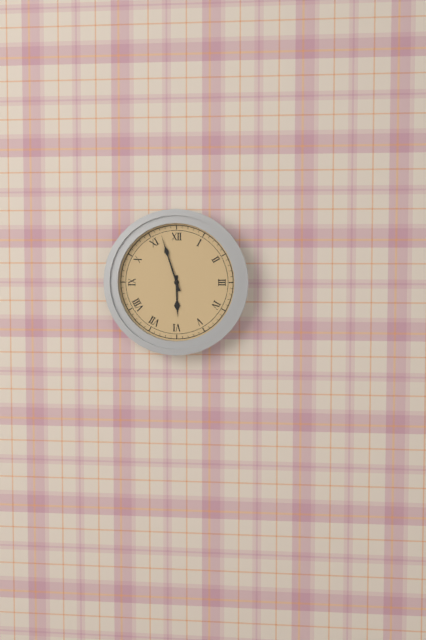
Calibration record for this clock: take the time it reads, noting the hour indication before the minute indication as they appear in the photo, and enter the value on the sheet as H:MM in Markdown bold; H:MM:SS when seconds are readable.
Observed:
**5:57**
